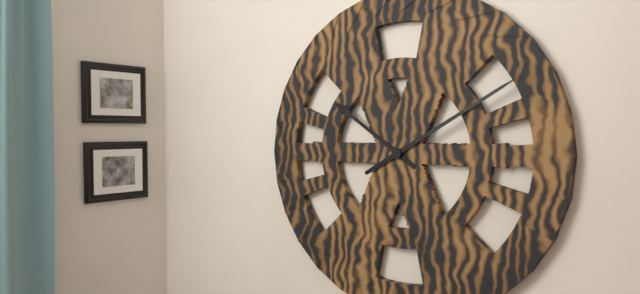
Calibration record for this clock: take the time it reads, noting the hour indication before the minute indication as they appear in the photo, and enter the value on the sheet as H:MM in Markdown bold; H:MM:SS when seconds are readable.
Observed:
**10:10**
